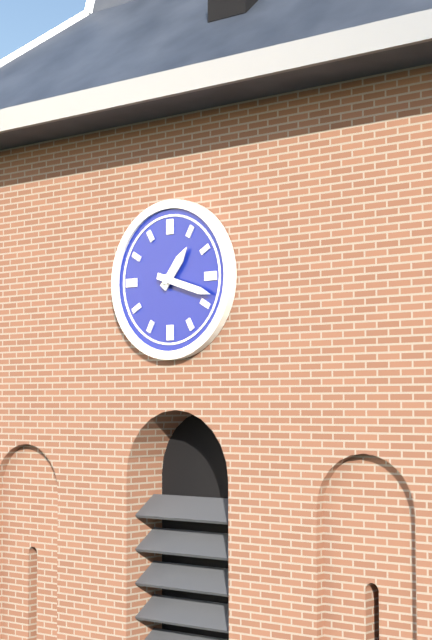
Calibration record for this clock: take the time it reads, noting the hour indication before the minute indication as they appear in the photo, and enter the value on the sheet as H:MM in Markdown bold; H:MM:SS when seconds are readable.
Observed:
**1:18**
